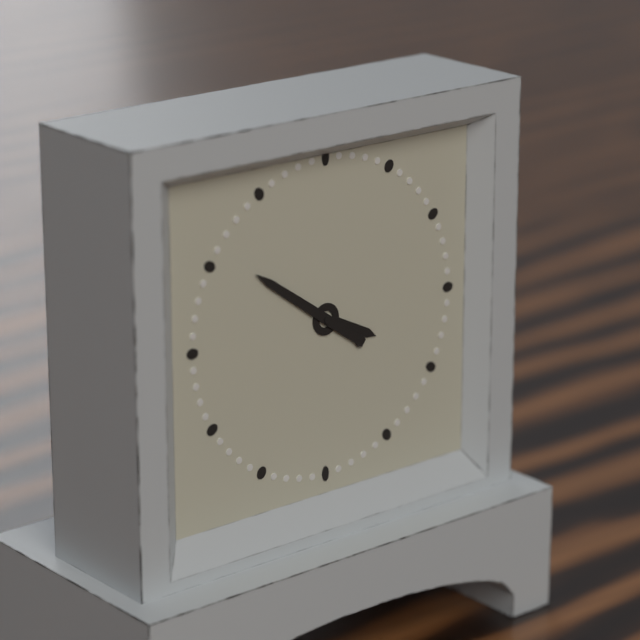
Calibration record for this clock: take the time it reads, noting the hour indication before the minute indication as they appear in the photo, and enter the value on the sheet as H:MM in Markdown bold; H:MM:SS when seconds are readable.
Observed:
**3:51**
